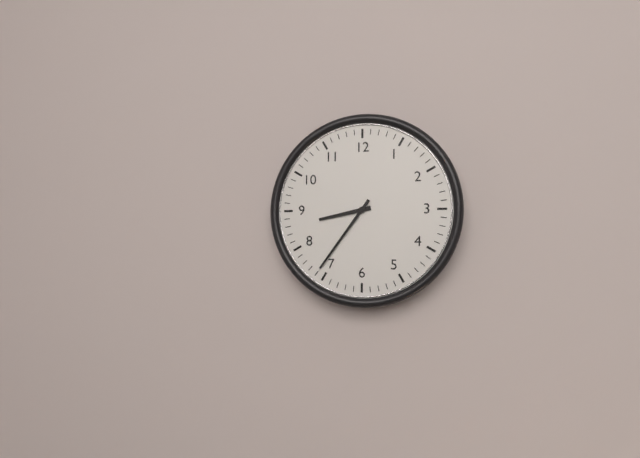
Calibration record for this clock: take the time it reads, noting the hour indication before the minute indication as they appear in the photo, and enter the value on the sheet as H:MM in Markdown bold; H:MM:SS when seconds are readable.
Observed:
**8:36**
